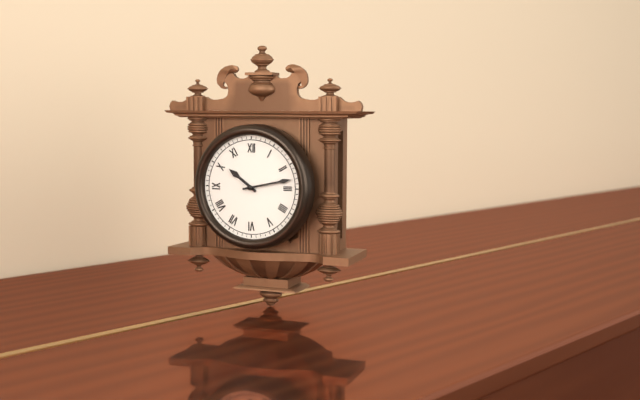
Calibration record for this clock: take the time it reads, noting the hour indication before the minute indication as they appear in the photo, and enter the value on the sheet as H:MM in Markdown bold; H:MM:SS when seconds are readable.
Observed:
**10:13**
